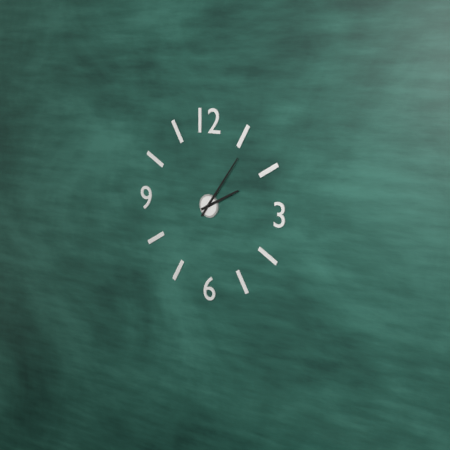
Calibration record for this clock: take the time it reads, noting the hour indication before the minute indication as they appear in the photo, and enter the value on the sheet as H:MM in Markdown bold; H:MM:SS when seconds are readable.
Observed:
**2:06**
